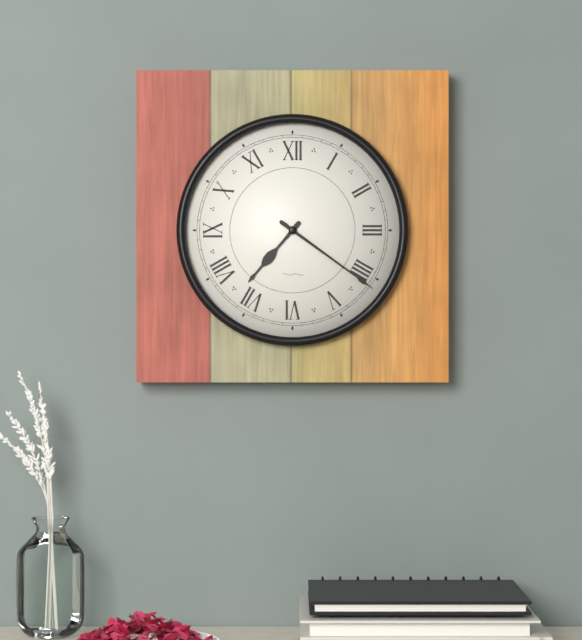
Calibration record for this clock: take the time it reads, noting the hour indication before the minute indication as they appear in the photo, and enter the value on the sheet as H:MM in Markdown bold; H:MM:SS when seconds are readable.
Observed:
**7:21**
